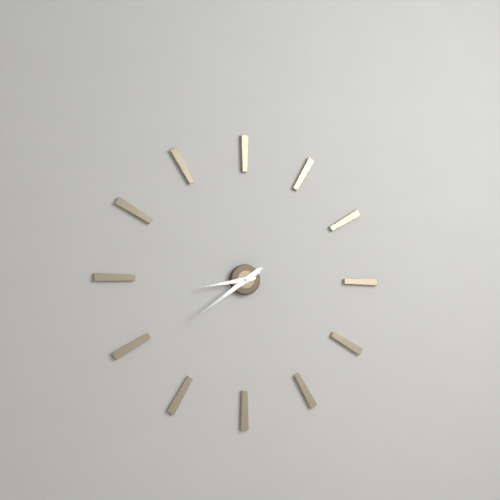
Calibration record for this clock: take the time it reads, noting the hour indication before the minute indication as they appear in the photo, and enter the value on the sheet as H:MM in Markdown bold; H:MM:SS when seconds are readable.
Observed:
**8:39**
